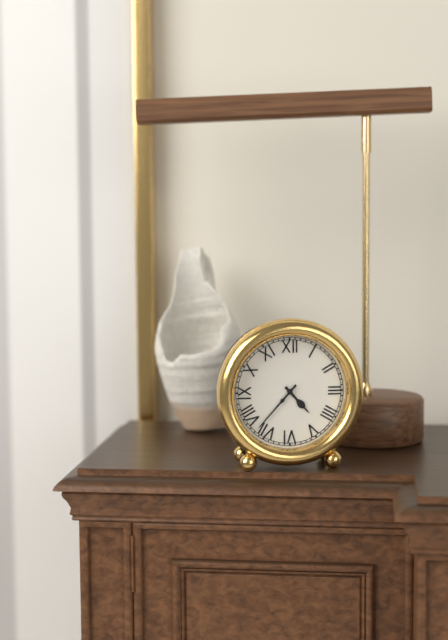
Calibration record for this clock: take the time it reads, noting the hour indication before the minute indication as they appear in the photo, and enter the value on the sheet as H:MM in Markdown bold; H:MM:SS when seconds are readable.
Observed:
**4:37**
